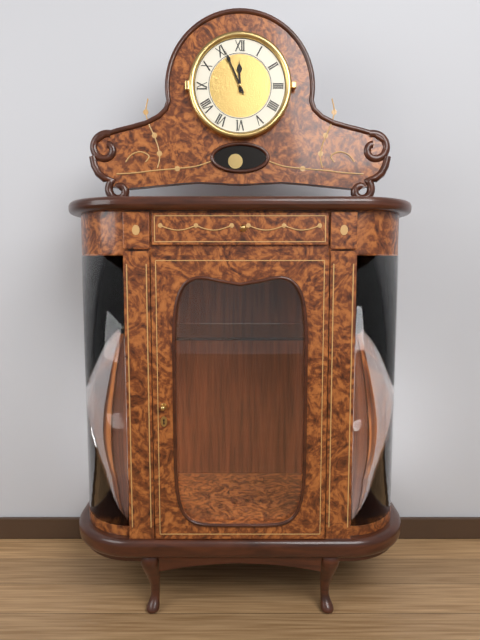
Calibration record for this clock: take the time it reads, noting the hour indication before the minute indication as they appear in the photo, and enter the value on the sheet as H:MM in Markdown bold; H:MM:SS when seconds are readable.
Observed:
**11:56**
